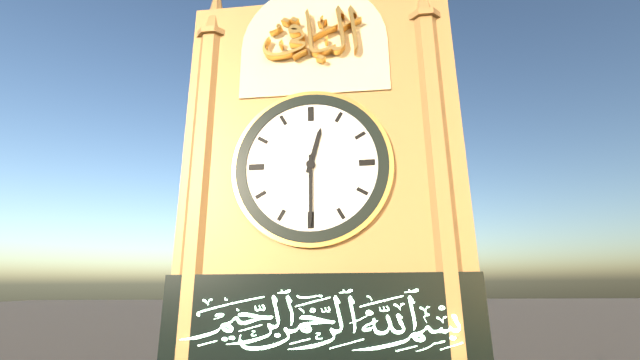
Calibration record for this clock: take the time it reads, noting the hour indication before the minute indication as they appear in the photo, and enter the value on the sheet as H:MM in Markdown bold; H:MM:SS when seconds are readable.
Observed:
**12:30**
